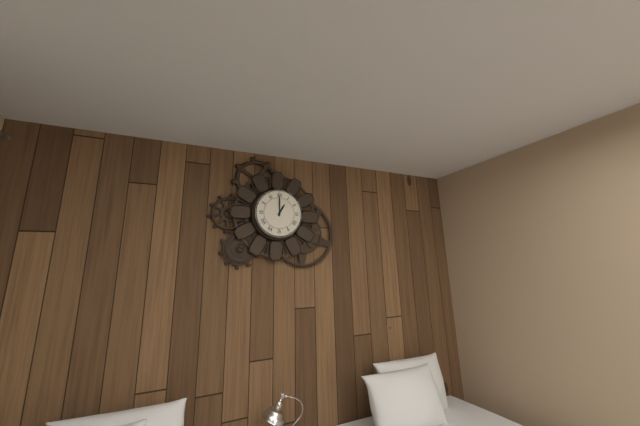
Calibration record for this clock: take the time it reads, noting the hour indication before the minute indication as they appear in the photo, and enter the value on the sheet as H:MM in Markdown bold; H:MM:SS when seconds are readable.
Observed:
**1:00**
